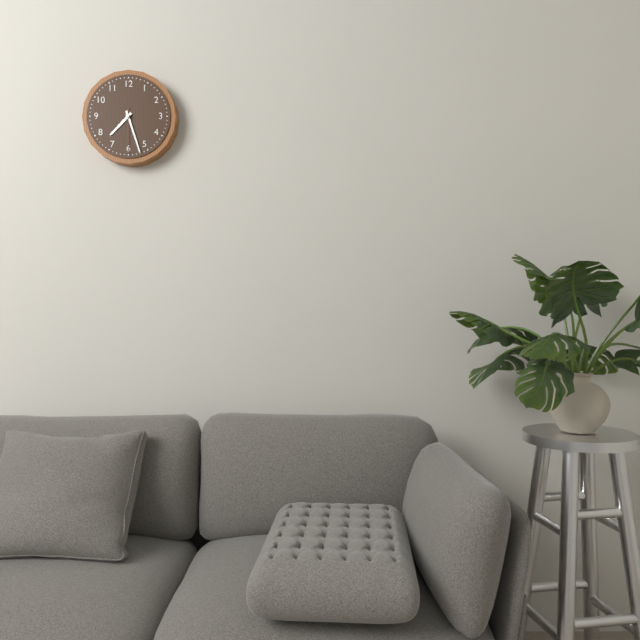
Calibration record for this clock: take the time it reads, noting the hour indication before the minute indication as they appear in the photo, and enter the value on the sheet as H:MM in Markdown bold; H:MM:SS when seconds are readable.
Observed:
**7:27**
